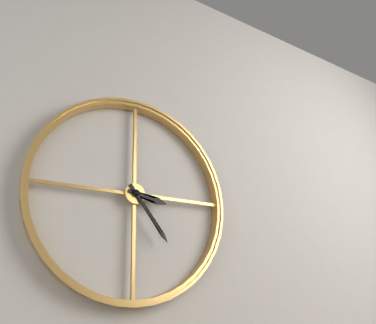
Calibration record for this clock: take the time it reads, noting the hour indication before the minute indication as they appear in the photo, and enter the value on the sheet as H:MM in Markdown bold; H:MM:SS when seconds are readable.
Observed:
**3:24**
